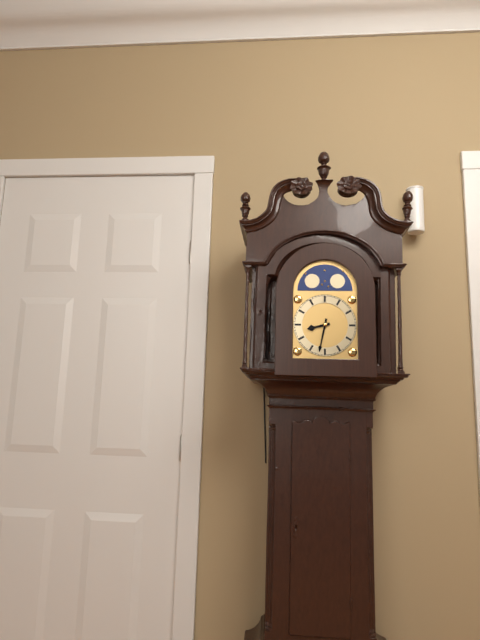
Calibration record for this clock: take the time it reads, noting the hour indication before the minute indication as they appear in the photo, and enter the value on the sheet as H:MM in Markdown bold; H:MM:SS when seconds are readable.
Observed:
**8:32**
